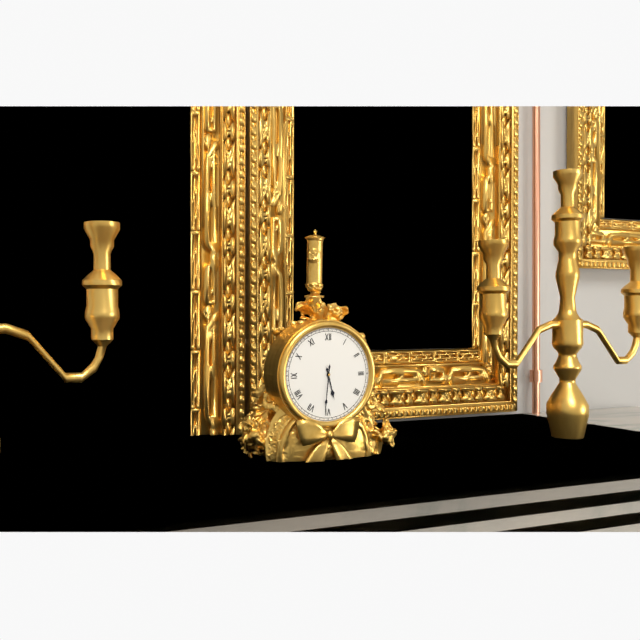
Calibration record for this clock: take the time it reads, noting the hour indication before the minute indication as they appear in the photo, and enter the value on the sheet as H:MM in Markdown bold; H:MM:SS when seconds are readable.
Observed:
**5:31**
